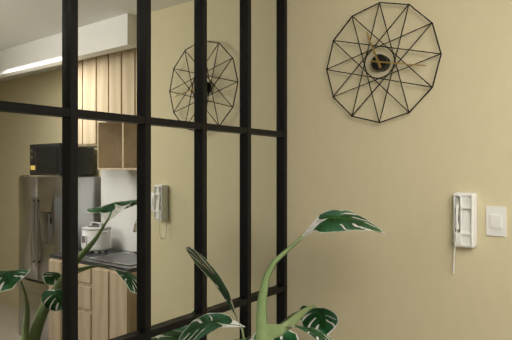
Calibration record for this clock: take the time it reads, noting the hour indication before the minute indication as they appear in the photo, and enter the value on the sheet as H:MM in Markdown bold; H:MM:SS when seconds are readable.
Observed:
**11:17**
